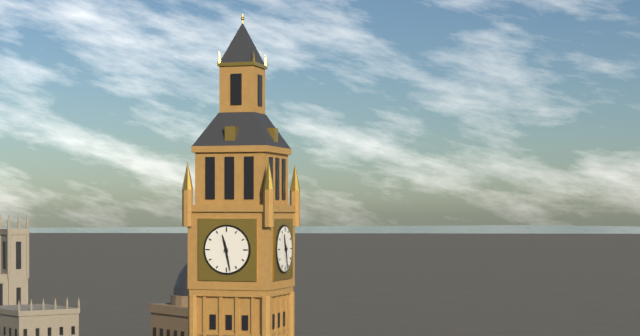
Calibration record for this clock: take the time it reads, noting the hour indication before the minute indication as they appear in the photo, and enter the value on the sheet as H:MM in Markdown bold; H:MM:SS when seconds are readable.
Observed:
**11:28**
